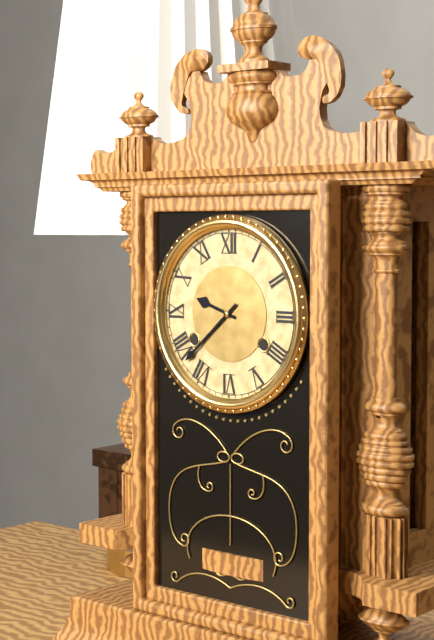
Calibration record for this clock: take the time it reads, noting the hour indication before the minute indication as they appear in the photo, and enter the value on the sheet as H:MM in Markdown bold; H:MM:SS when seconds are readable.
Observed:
**9:38**
